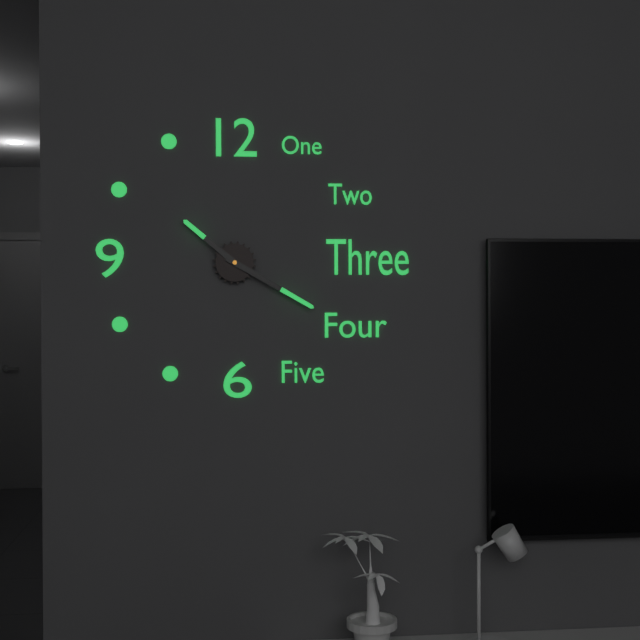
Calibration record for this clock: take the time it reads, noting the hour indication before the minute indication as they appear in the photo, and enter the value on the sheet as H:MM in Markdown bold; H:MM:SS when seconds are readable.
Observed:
**10:20**
